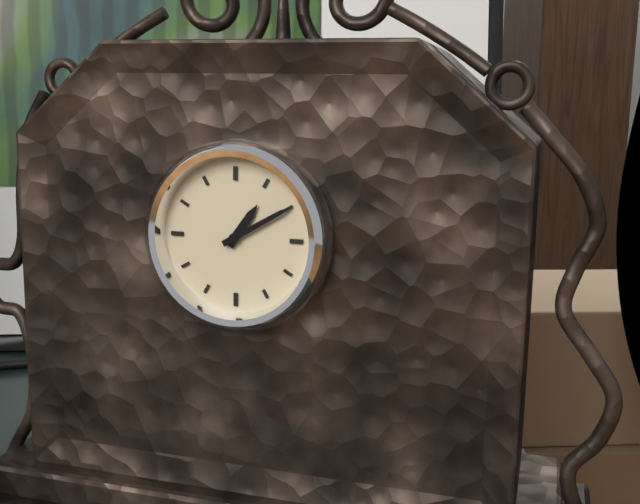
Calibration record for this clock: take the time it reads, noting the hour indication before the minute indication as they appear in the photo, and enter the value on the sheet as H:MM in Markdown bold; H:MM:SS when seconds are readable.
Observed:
**1:10**
